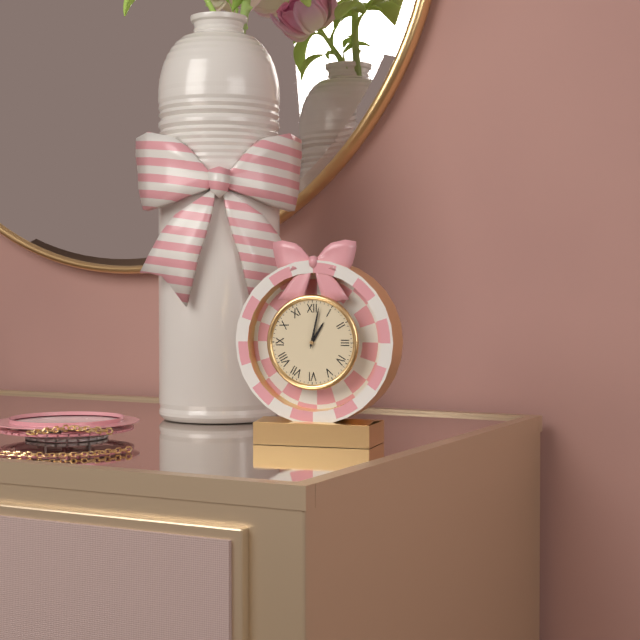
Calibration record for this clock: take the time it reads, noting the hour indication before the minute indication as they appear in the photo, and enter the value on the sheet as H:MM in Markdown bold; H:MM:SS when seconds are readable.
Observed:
**1:02**
